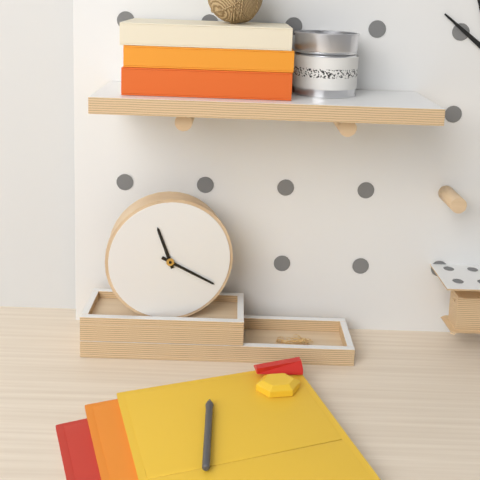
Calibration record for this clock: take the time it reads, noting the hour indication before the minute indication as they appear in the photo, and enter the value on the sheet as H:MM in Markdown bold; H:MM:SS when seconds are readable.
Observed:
**11:20**
